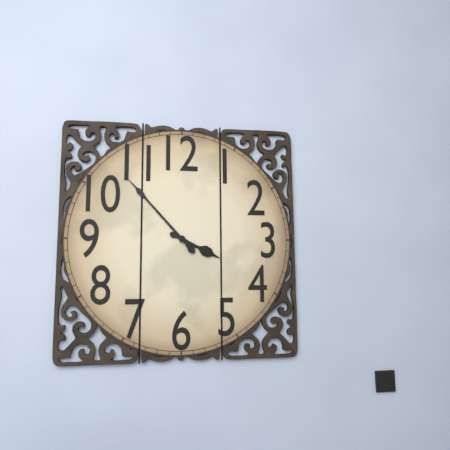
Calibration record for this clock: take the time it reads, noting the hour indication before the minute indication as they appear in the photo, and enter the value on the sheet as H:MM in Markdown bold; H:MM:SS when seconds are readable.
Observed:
**3:53**
